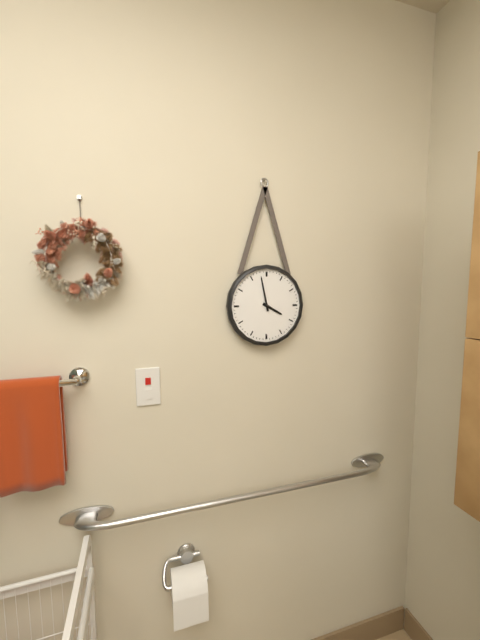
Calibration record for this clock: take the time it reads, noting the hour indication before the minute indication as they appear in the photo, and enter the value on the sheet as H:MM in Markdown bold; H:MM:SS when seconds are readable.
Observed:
**3:58**
